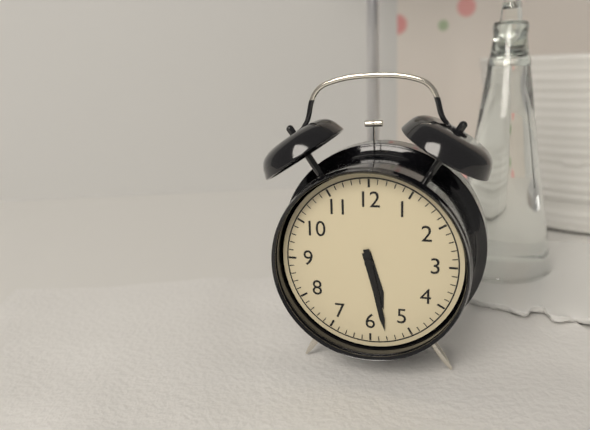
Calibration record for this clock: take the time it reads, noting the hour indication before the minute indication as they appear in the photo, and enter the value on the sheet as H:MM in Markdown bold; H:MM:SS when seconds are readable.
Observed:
**5:28**
